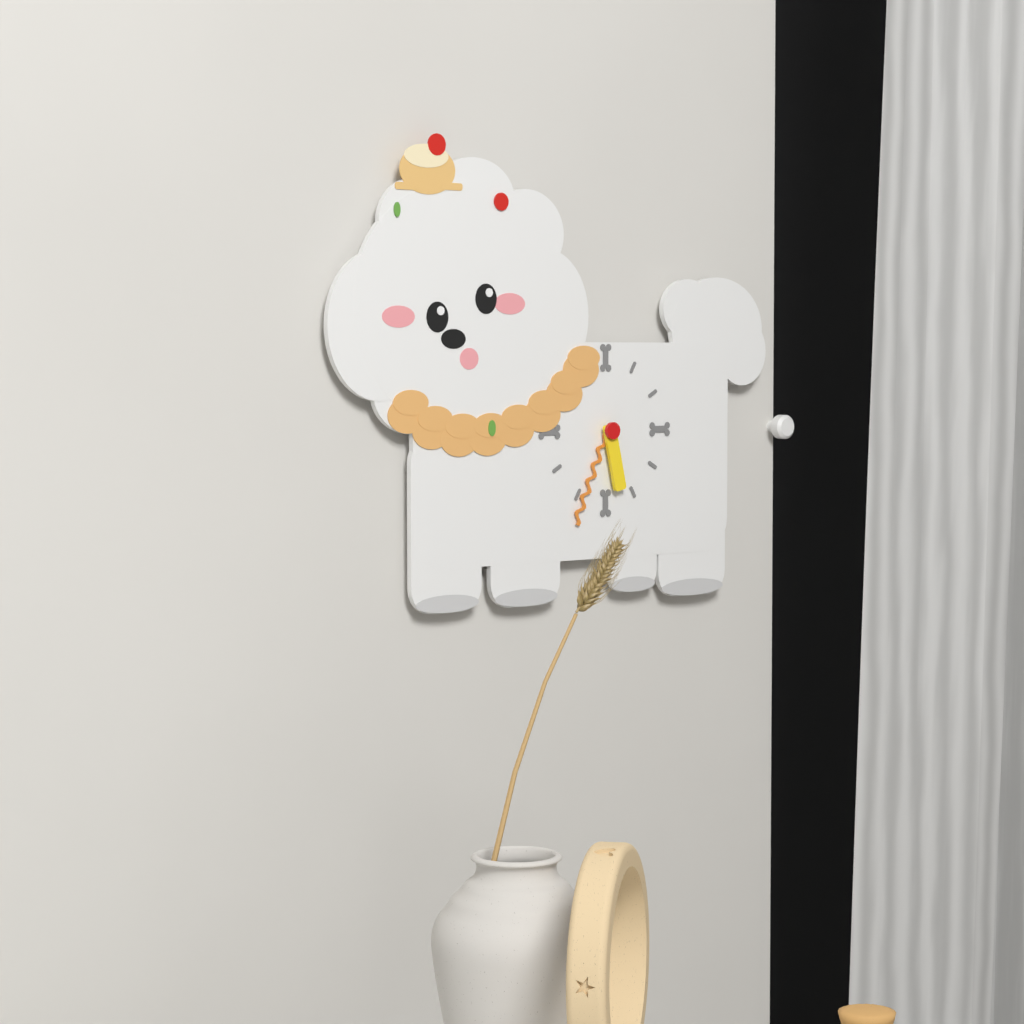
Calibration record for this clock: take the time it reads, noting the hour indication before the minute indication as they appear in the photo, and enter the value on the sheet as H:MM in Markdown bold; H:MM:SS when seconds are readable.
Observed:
**5:34**
